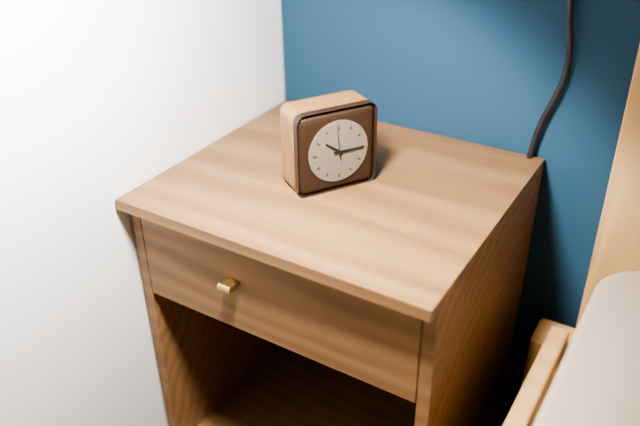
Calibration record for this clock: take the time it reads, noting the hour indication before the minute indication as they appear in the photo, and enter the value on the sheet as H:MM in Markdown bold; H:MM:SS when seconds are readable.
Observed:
**10:15**
